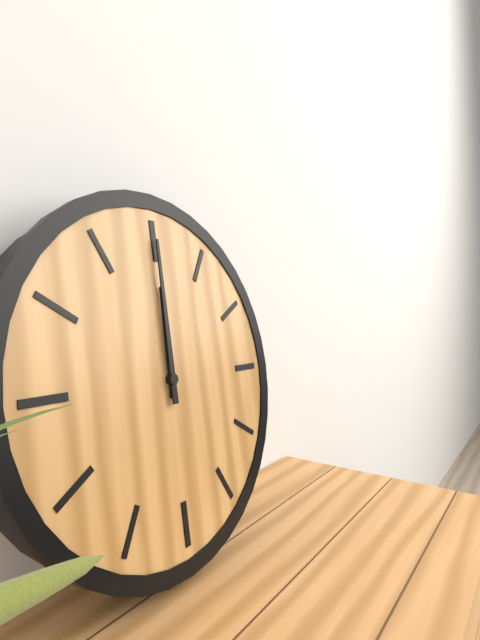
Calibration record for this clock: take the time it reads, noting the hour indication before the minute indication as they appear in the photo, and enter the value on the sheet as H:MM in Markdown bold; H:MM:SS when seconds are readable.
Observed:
**12:00**
